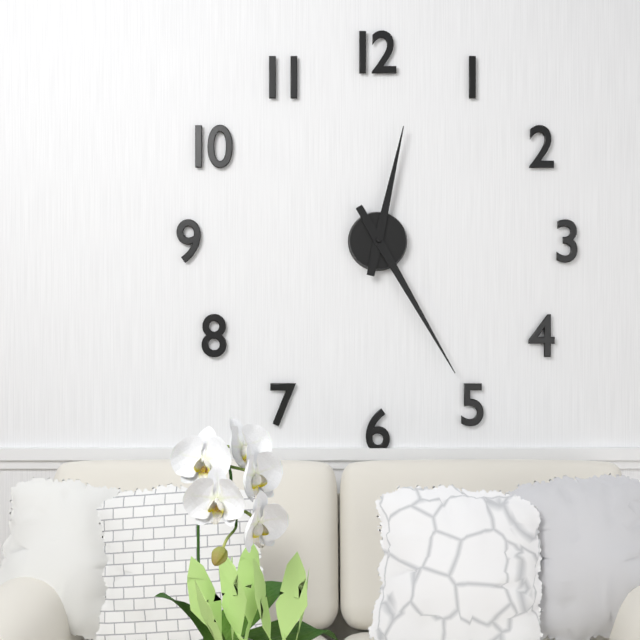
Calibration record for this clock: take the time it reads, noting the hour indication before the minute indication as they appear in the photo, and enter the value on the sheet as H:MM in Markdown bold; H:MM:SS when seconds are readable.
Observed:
**12:25**
